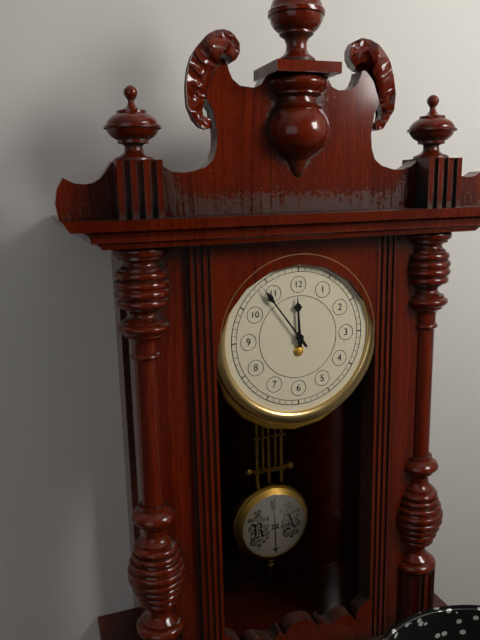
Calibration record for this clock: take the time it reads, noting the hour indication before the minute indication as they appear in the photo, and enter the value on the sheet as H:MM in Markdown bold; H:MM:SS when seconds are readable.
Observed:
**11:54**
